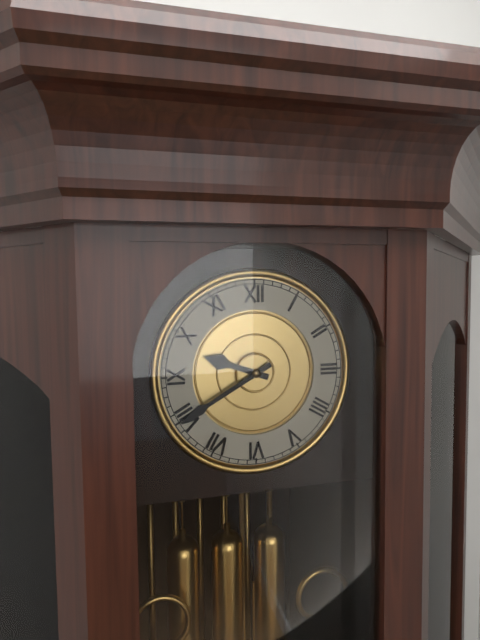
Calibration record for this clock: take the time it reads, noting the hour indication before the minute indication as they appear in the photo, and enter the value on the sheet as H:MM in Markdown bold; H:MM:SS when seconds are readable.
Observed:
**9:40**
